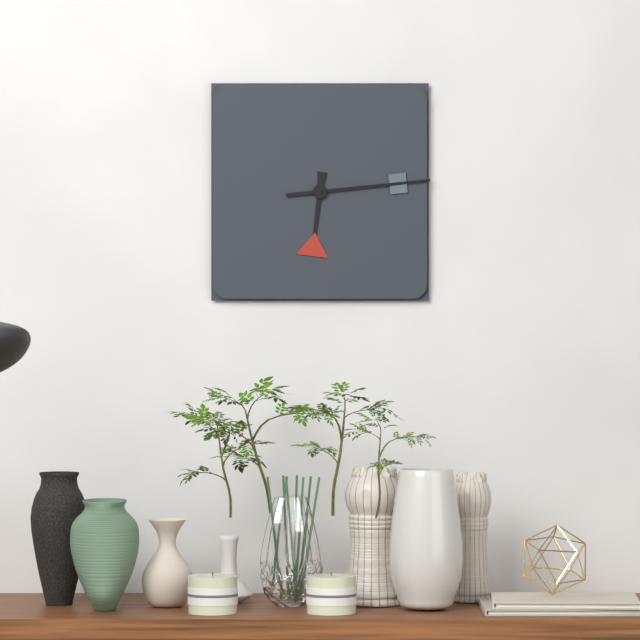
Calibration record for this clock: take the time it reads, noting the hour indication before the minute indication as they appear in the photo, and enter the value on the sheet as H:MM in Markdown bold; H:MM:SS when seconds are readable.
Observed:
**6:14**
